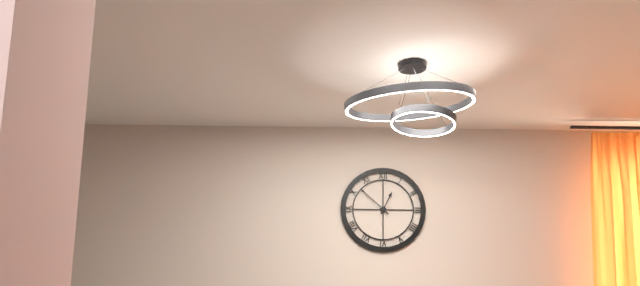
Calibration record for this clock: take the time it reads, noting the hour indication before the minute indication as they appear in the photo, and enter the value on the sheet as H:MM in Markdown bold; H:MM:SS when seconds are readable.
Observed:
**12:52**
